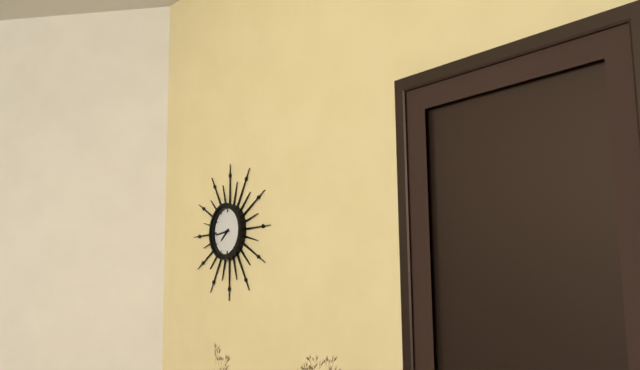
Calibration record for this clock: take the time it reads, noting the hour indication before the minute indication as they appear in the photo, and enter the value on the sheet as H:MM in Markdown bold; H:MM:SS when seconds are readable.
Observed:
**7:44**
